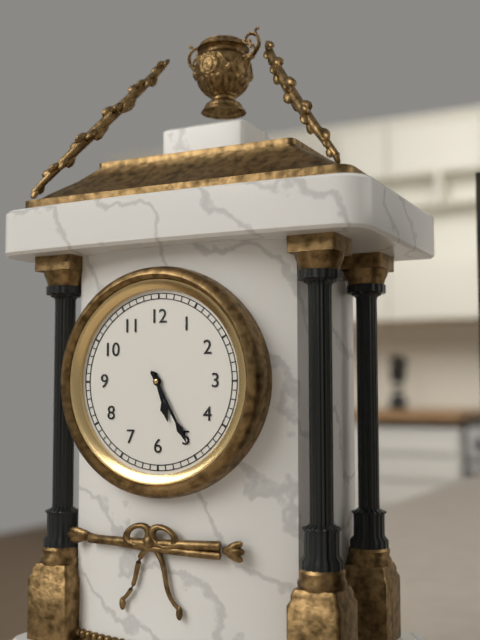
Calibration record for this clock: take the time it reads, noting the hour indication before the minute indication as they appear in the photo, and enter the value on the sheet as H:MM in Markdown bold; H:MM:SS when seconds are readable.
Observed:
**5:25**
